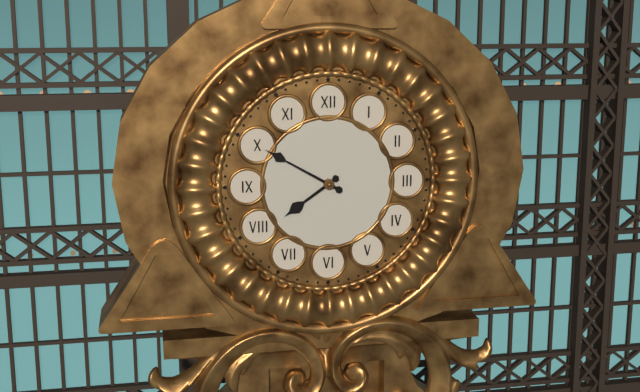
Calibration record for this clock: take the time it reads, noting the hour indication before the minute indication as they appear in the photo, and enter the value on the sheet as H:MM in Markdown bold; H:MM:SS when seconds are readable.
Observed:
**7:50**
